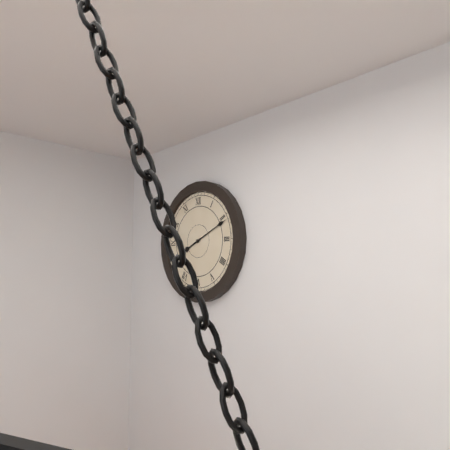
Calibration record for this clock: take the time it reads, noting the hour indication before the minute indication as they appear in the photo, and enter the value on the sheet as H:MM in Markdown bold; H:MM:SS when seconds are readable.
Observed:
**8:11**
